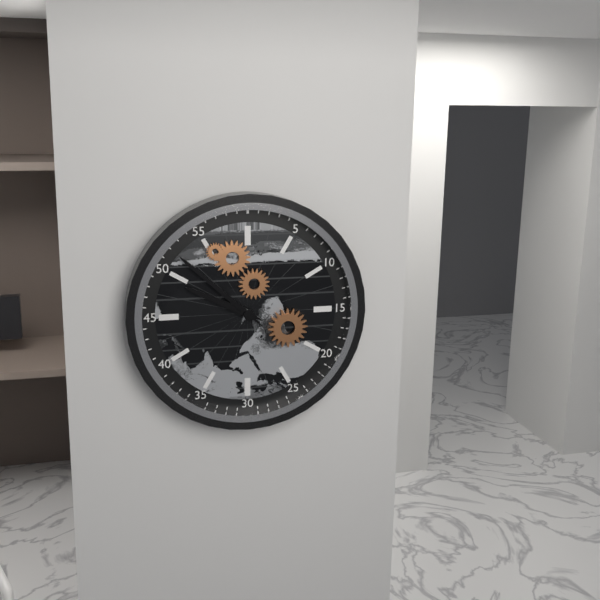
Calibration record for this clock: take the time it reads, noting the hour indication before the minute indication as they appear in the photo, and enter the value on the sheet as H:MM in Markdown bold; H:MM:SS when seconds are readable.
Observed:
**9:52**
